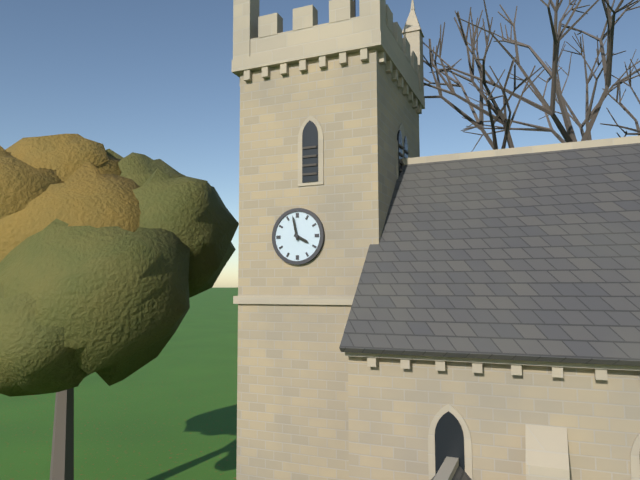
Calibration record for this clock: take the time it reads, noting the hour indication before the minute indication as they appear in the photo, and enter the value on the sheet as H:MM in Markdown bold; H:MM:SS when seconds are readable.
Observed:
**3:58**
